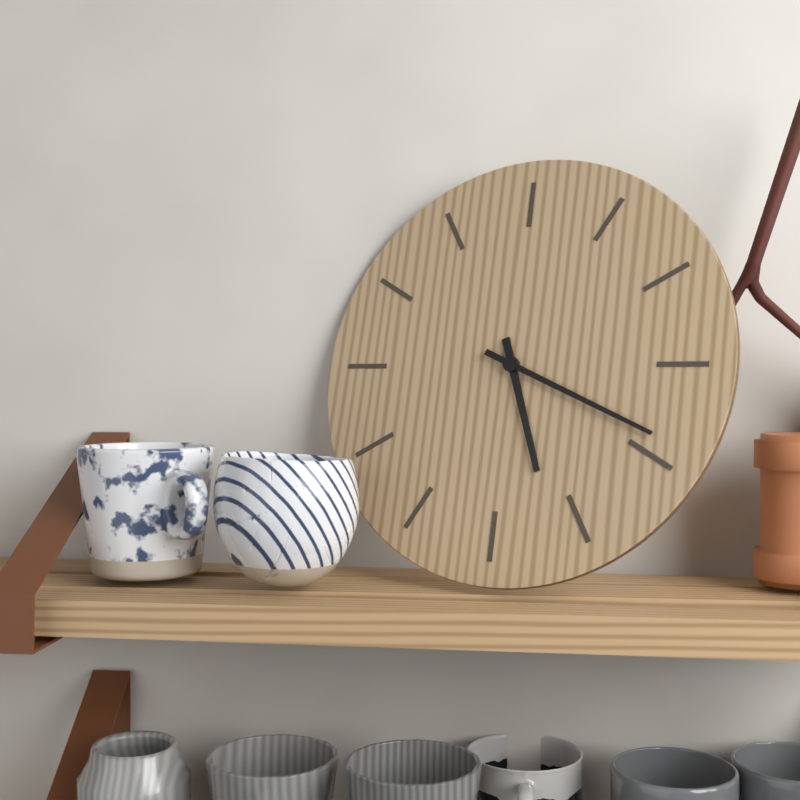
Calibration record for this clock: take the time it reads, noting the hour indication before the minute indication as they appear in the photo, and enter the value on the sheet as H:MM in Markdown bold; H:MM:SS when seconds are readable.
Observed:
**5:19**
